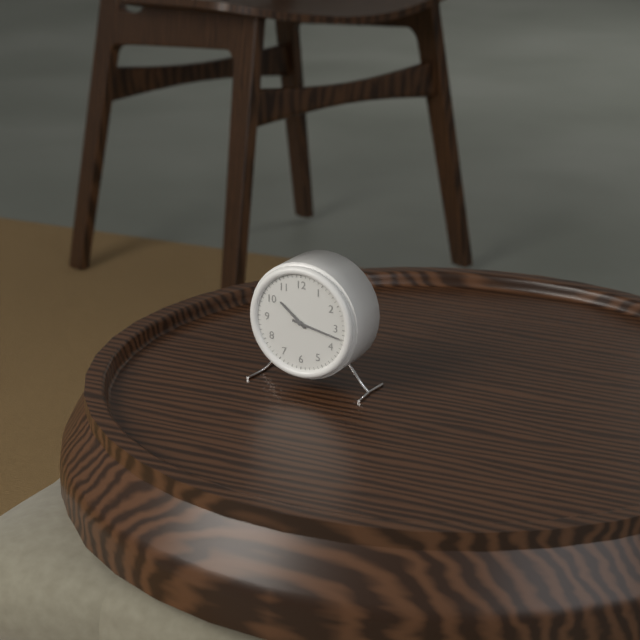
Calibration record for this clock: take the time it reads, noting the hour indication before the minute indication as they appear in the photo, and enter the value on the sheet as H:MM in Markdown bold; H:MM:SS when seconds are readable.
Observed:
**10:17**
